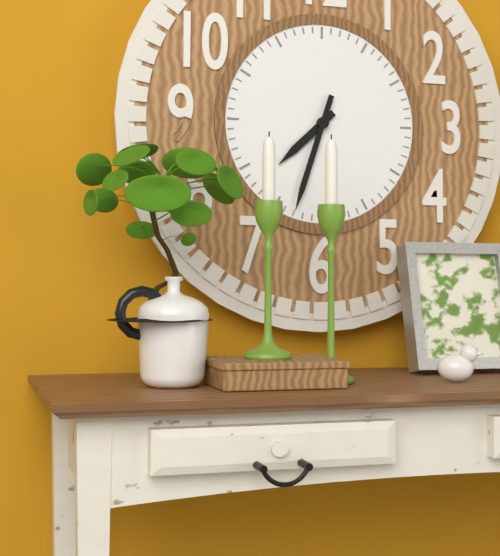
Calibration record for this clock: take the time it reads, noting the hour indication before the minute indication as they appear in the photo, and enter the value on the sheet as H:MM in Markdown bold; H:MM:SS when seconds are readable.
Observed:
**7:33**
